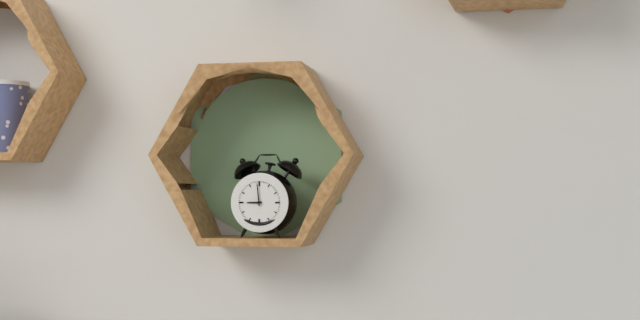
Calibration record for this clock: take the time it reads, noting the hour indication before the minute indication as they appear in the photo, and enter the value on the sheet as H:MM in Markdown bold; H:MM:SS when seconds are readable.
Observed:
**8:59**
